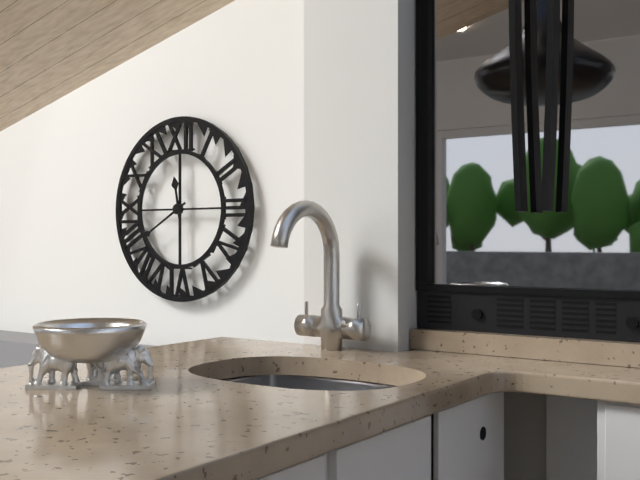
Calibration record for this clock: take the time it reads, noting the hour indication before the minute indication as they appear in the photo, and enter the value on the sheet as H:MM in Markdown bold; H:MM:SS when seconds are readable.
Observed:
**11:40**
